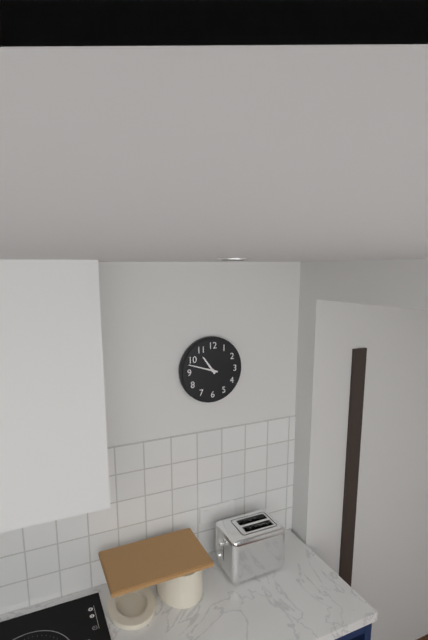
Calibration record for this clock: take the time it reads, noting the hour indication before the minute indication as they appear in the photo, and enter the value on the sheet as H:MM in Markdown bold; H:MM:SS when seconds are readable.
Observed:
**10:48**
